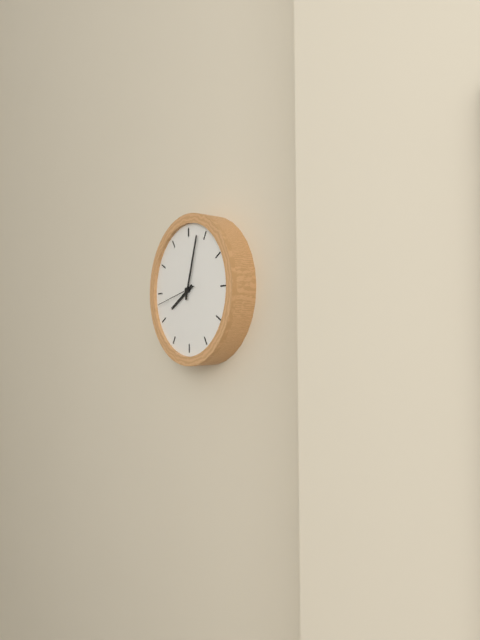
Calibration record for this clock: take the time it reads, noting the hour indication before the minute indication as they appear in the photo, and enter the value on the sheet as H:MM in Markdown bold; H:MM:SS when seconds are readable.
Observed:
**8:03**
